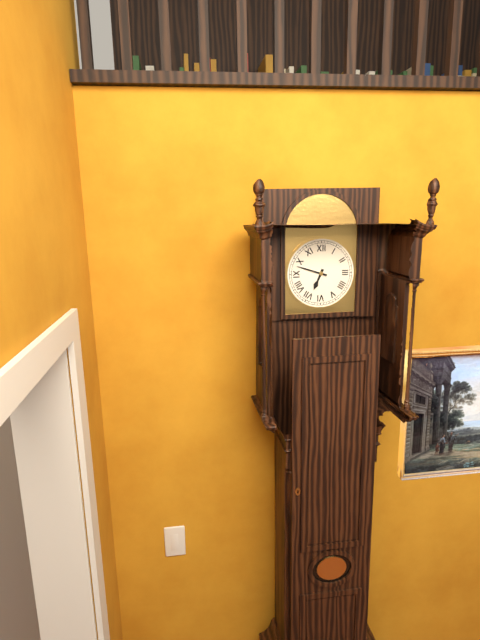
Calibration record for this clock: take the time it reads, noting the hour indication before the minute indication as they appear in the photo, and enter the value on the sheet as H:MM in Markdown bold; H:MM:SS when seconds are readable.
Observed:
**6:48**
